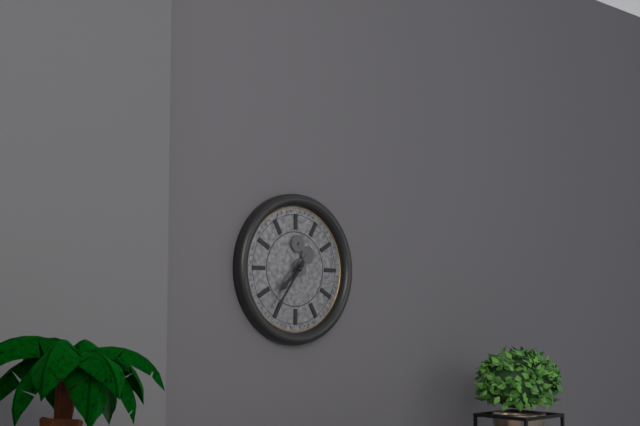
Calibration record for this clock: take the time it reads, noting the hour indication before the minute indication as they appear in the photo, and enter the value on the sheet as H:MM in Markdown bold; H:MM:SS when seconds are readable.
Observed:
**7:36**
